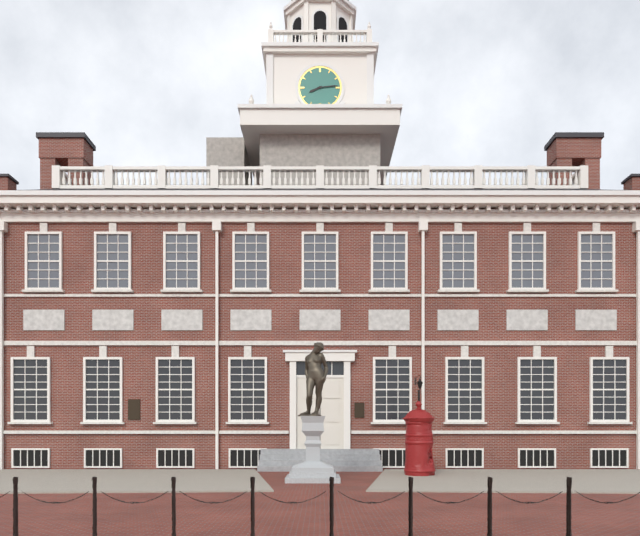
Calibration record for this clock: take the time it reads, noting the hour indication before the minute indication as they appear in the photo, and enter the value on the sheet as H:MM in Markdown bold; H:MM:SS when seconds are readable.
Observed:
**8:14**
